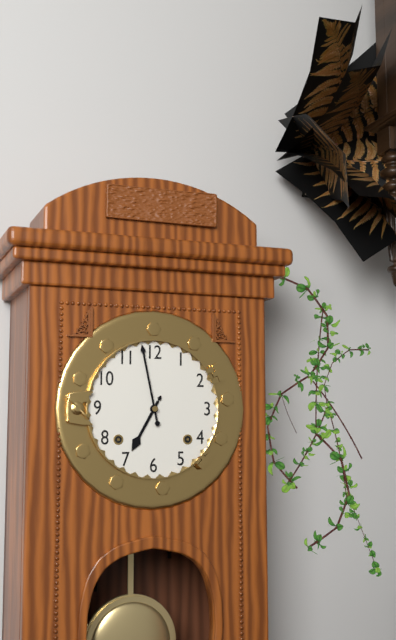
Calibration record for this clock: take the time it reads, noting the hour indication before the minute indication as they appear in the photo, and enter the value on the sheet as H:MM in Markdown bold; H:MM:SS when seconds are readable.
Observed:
**6:58**
